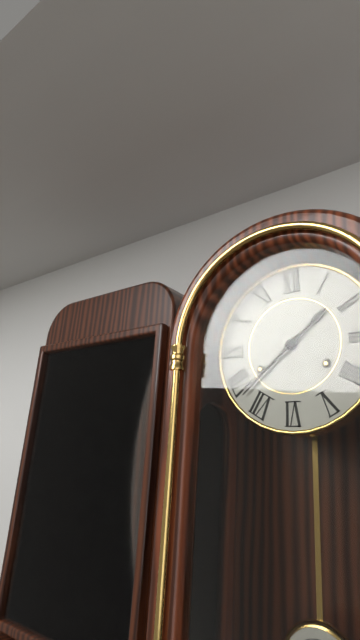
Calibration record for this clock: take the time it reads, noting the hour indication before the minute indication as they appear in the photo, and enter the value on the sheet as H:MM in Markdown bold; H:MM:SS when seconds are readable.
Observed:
**1:38**
